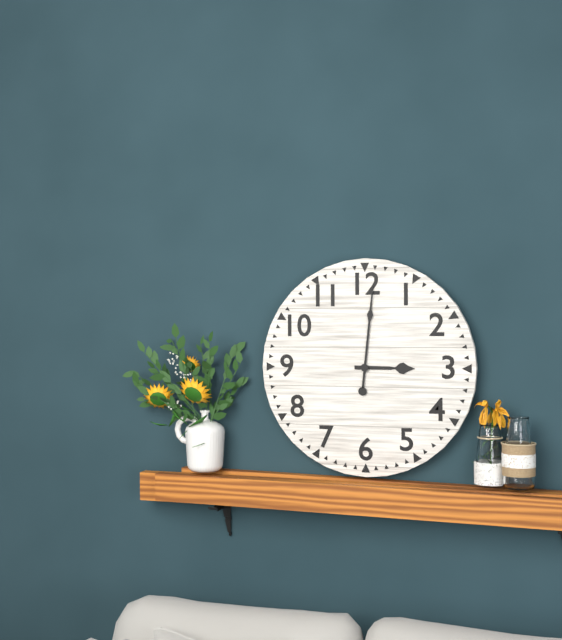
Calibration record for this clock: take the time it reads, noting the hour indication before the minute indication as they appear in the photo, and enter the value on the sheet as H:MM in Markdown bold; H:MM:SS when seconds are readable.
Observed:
**3:01**
